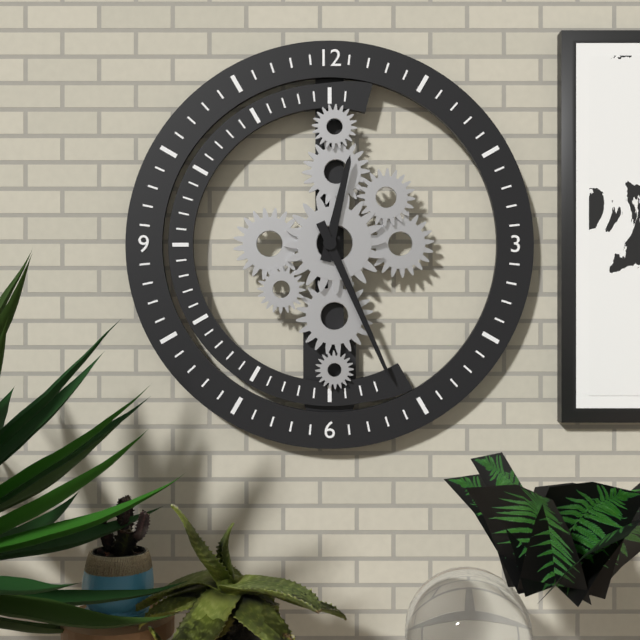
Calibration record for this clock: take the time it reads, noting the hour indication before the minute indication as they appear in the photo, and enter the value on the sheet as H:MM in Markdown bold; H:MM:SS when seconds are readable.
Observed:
**12:26**
